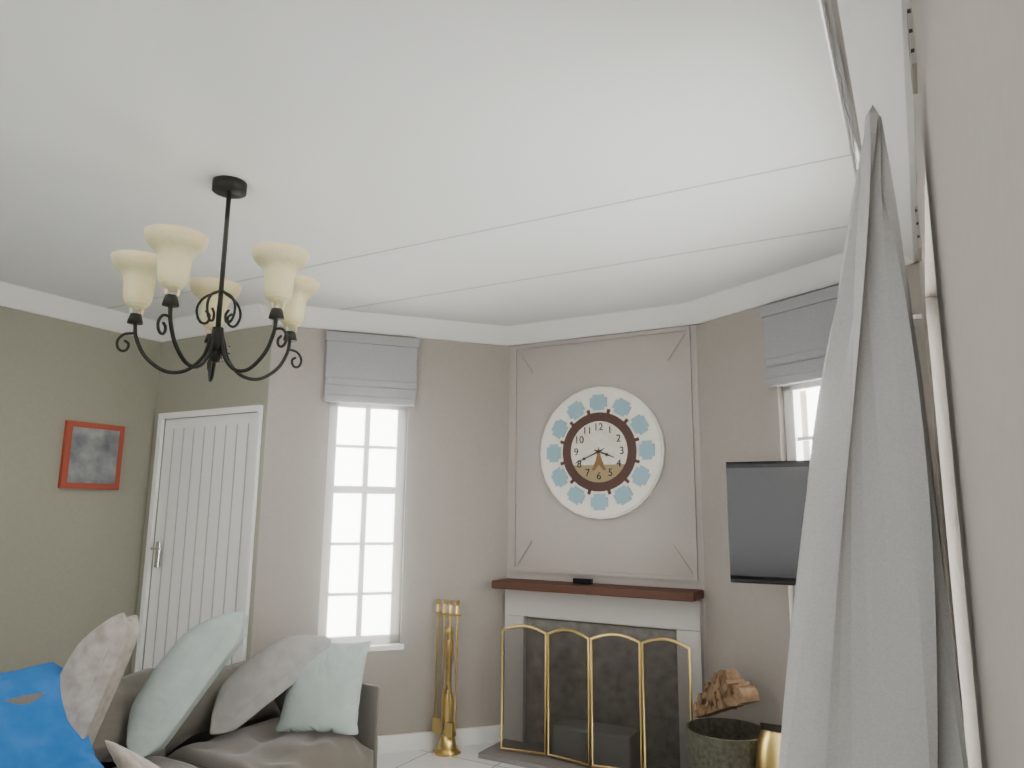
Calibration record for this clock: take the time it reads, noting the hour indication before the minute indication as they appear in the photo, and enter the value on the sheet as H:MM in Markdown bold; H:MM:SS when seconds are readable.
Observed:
**3:41**
